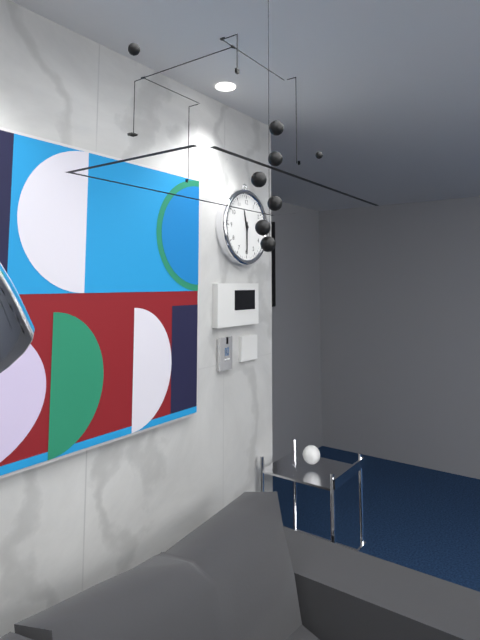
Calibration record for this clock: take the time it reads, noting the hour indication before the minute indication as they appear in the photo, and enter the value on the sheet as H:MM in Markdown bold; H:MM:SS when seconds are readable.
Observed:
**11:30**
